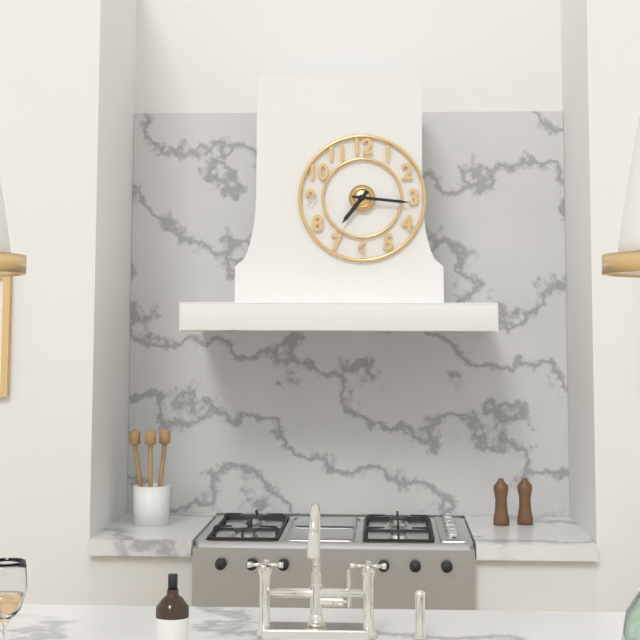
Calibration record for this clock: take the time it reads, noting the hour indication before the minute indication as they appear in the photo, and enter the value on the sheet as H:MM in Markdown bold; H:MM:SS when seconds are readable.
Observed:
**7:16**
